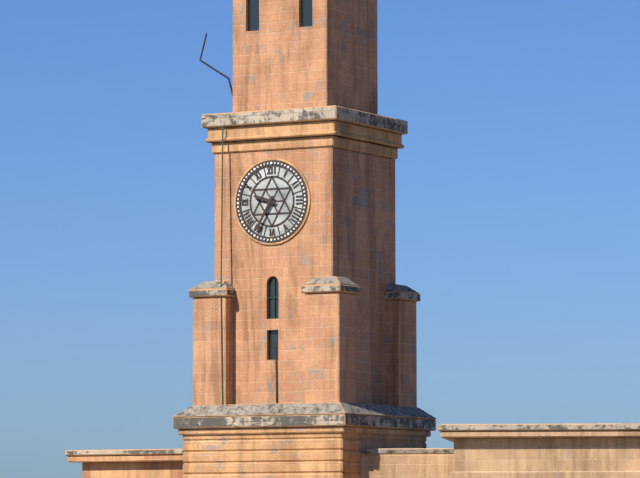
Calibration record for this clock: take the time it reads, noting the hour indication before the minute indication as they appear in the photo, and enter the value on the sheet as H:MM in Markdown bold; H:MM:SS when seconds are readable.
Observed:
**9:35**
